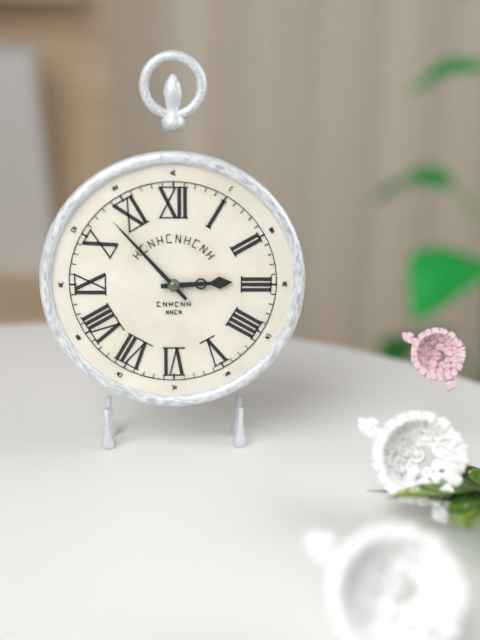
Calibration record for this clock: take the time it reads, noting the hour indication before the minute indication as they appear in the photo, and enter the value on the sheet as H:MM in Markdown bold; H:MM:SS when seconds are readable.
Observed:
**2:53**
